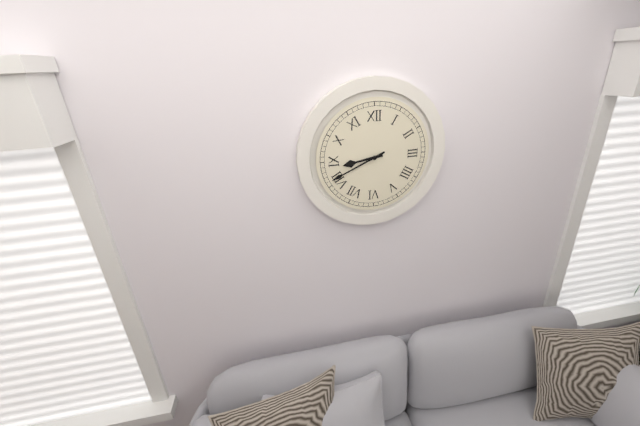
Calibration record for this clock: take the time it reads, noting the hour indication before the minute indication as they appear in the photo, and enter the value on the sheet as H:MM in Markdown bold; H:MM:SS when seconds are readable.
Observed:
**8:41**
